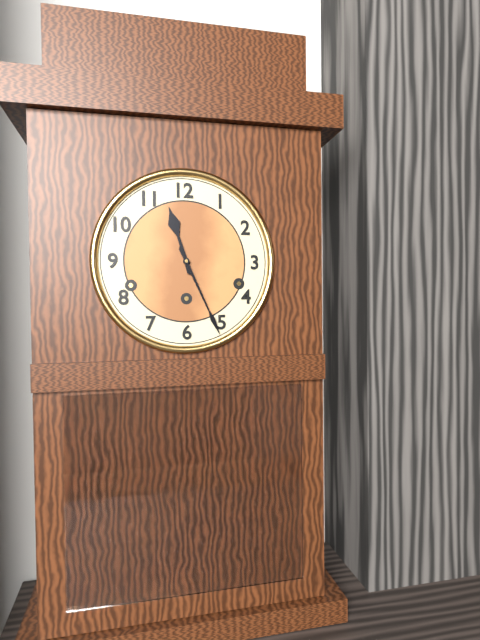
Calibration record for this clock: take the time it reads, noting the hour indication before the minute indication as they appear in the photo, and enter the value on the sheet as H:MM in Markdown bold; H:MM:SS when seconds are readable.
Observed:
**11:26**
